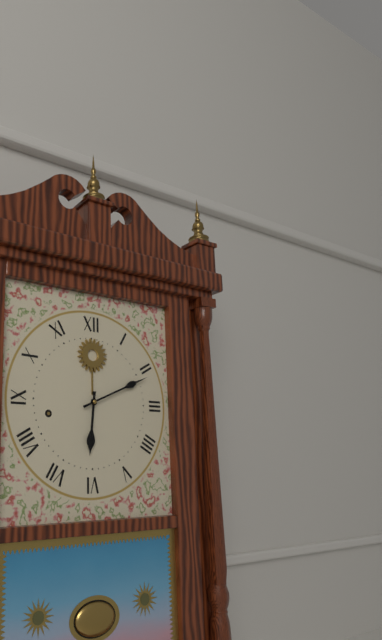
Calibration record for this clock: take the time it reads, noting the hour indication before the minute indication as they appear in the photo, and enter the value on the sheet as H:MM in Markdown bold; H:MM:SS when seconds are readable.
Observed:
**6:11**
